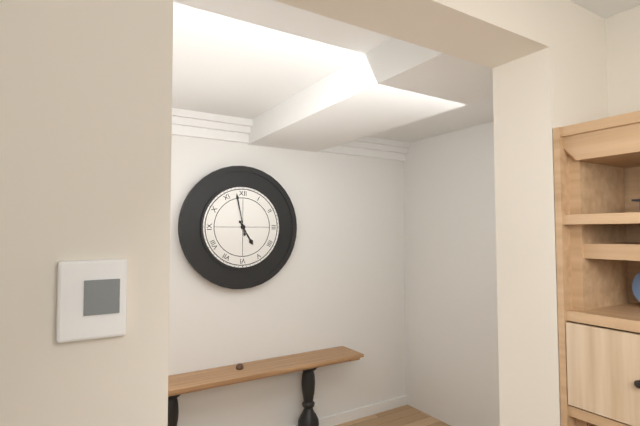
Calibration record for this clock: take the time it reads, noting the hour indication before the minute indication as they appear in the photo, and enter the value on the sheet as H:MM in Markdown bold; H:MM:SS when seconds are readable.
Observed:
**4:58**
